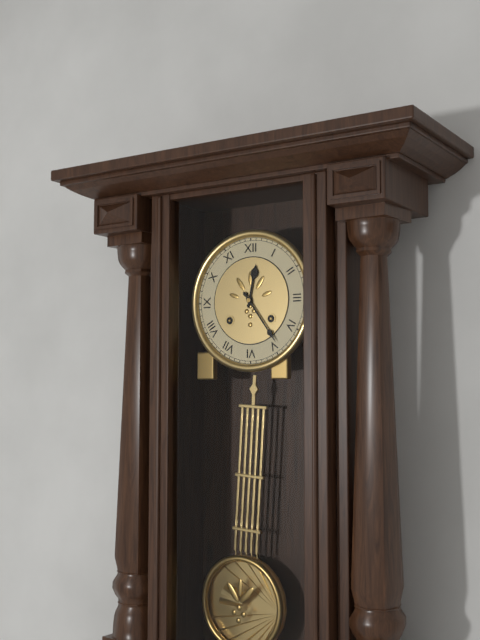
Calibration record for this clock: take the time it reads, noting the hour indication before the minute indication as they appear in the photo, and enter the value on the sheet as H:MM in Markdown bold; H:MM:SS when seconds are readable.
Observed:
**12:24**
